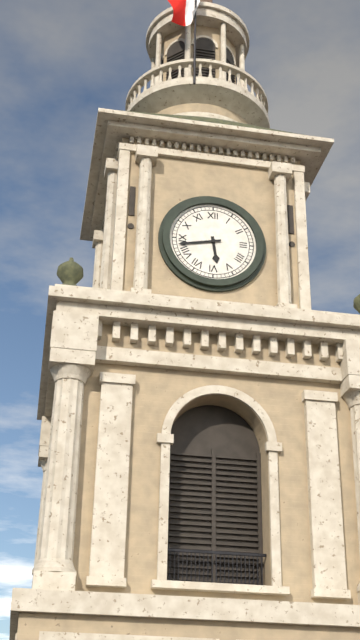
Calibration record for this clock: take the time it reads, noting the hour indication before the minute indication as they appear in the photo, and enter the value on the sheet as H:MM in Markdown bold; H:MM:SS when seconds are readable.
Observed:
**5:43**
